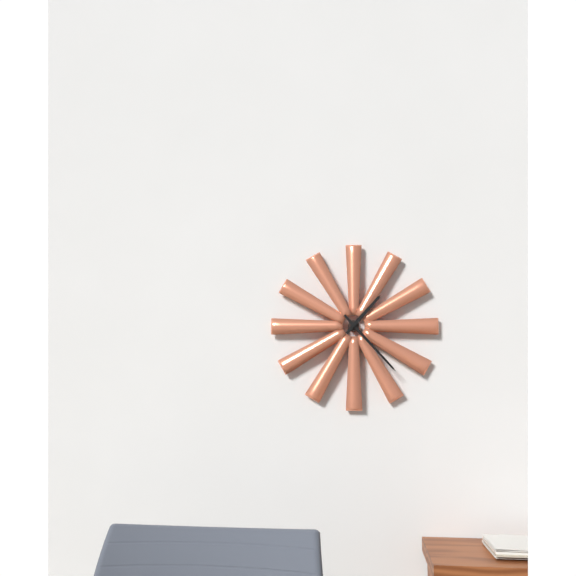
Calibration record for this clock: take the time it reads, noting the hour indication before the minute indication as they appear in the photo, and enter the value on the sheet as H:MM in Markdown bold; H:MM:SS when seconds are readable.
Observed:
**1:23**
